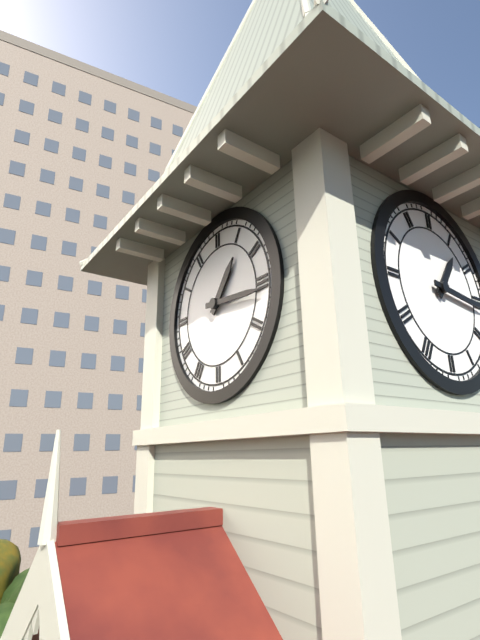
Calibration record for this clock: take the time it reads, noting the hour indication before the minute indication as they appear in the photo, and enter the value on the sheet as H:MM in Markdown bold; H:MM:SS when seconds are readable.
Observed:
**1:16**
